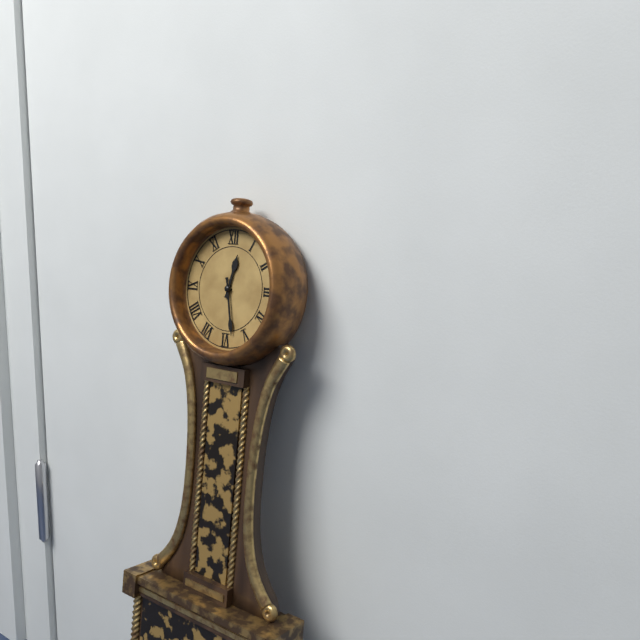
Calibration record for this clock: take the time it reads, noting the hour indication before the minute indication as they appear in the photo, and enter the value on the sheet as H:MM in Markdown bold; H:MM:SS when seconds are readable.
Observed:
**12:28**
